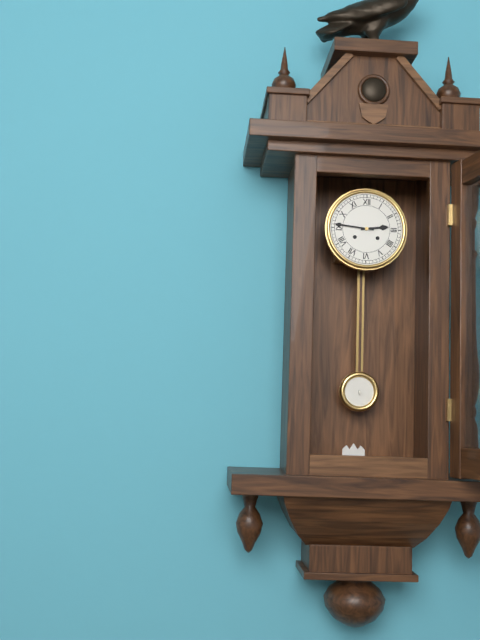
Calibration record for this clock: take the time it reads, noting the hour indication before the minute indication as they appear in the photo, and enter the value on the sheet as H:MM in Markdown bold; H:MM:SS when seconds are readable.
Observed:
**2:46**
